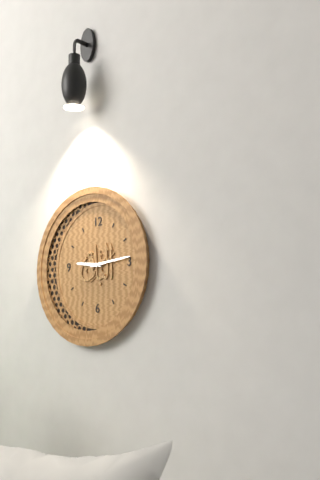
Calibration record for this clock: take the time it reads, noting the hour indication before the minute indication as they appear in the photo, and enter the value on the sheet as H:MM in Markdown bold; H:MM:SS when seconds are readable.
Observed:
**9:14**
